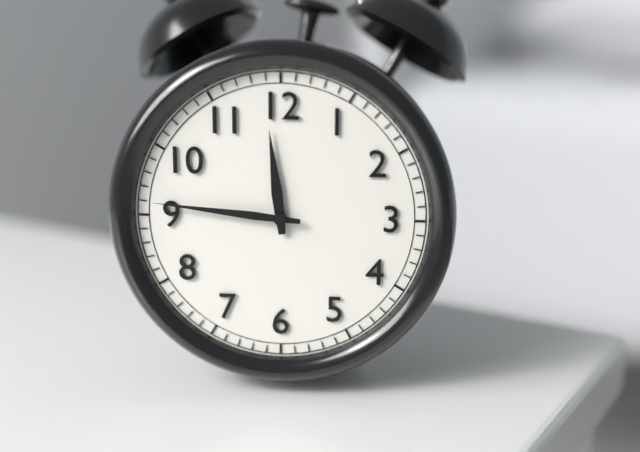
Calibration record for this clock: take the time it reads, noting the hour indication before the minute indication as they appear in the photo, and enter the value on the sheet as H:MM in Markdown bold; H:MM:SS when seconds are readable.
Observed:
**11:46**
